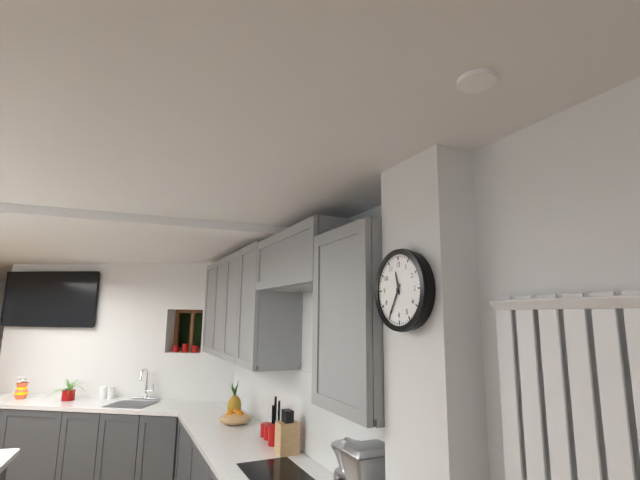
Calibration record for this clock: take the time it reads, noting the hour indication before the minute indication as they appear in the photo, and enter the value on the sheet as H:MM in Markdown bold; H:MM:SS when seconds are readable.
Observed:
**11:35**
